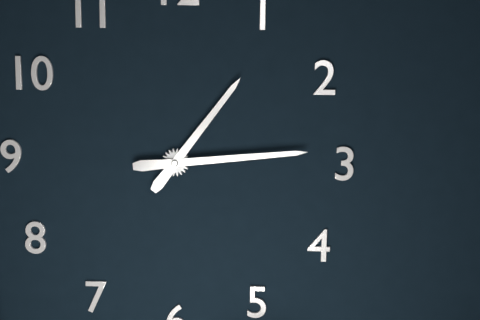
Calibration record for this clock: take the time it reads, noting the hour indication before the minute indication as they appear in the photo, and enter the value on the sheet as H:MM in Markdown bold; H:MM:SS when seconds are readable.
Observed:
**1:14**
